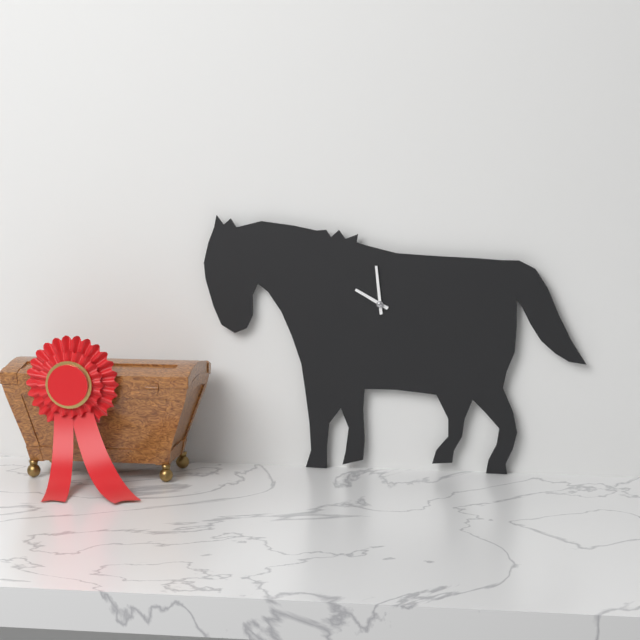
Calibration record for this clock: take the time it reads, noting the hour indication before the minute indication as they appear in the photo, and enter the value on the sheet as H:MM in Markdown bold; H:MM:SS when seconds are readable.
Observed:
**9:59**
